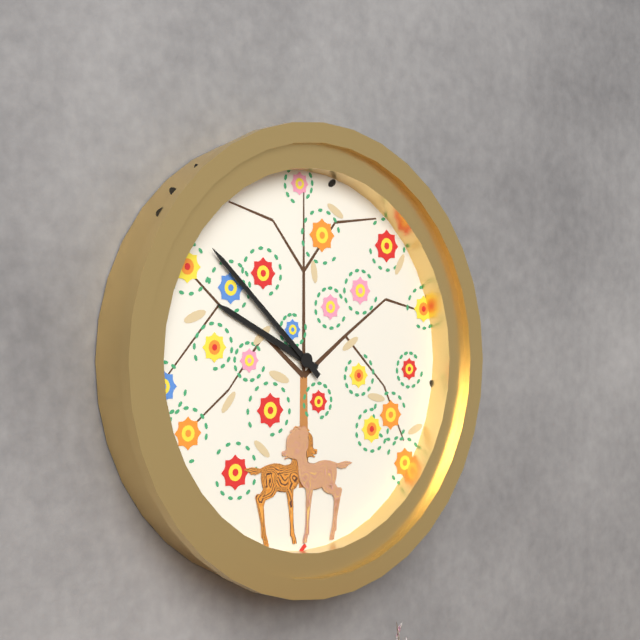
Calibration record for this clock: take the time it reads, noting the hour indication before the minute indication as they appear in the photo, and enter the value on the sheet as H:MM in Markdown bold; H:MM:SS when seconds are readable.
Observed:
**9:52**
